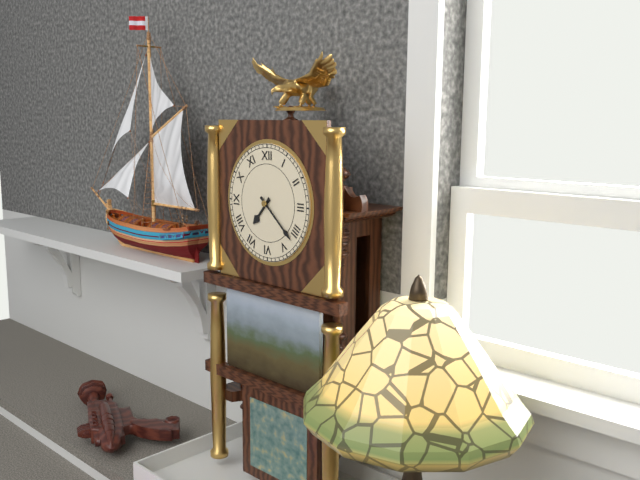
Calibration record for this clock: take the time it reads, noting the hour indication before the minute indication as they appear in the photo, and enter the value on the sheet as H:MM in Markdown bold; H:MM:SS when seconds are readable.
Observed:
**7:22**
